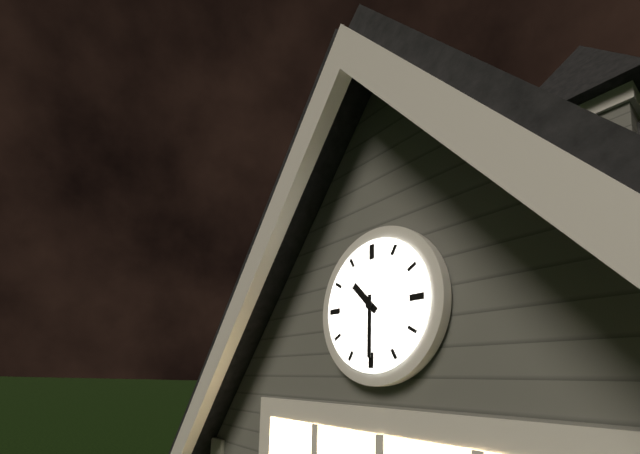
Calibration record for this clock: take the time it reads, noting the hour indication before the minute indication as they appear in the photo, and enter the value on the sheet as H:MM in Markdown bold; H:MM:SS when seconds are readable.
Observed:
**10:30**
